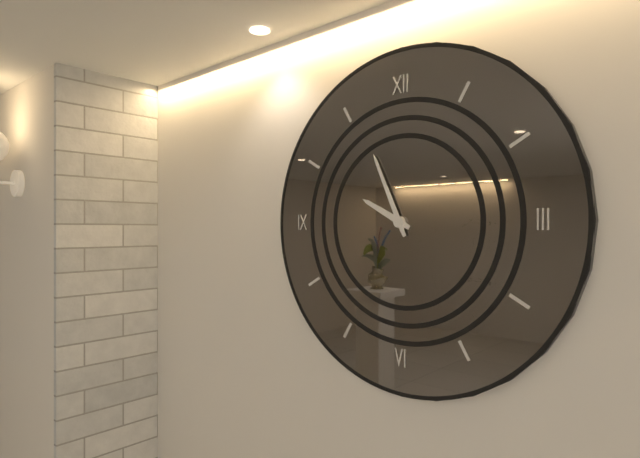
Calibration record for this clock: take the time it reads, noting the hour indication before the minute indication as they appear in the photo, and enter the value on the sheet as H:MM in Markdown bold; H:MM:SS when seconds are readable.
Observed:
**9:56**
